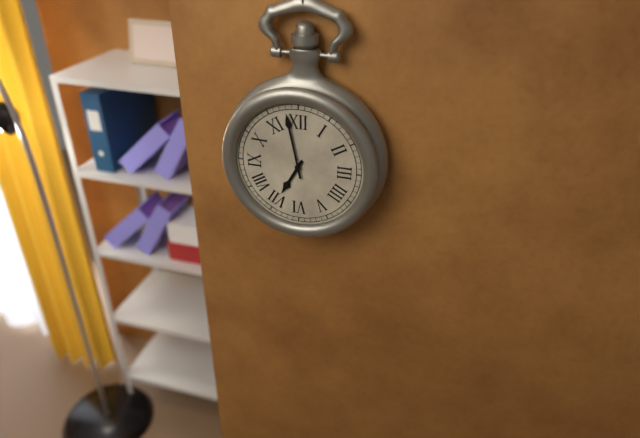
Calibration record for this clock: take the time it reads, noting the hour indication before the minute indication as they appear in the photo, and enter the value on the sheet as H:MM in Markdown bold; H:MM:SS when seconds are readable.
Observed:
**6:58**
